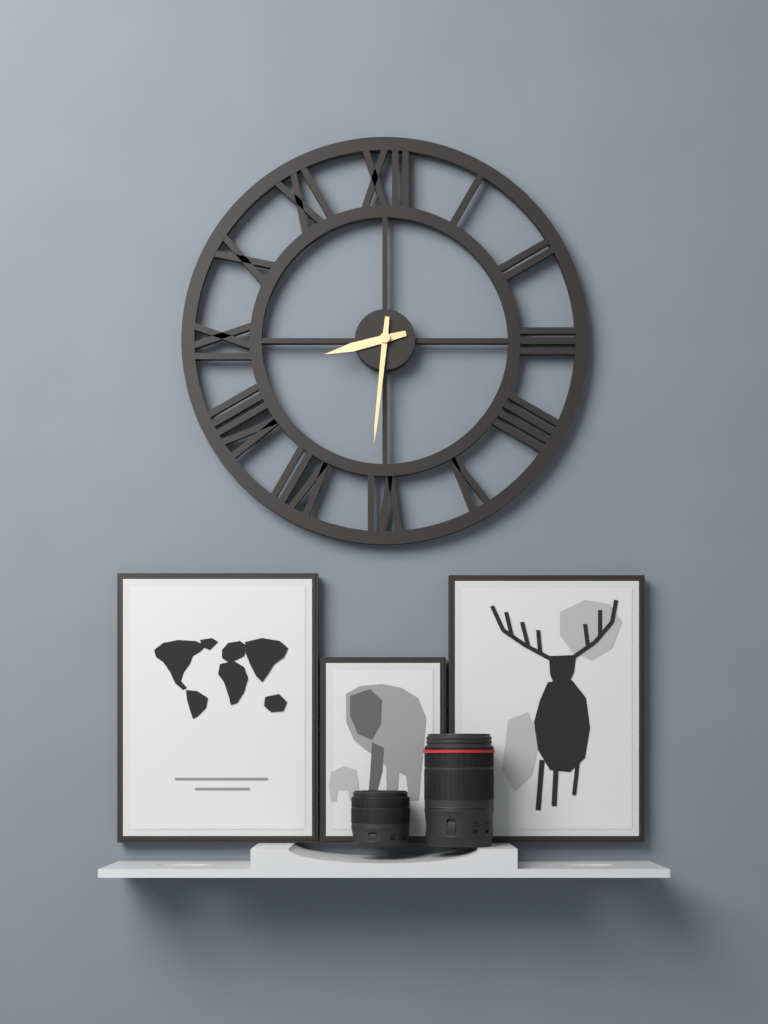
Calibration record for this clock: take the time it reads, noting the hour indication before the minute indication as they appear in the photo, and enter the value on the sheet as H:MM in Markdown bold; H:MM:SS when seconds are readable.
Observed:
**8:31**
